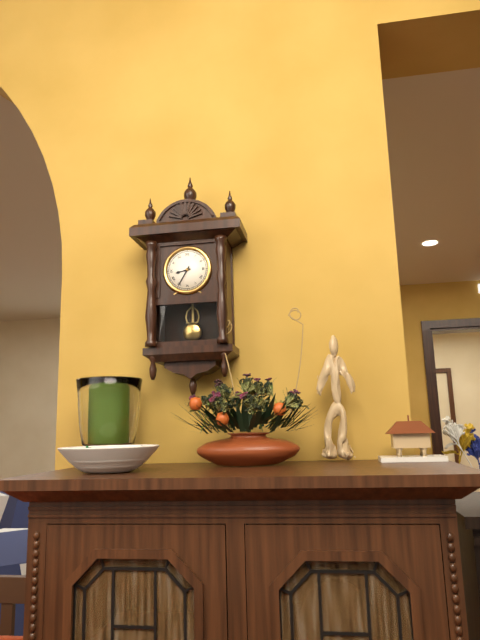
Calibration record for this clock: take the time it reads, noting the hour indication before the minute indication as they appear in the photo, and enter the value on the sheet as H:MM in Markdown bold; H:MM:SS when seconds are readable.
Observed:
**8:35**
